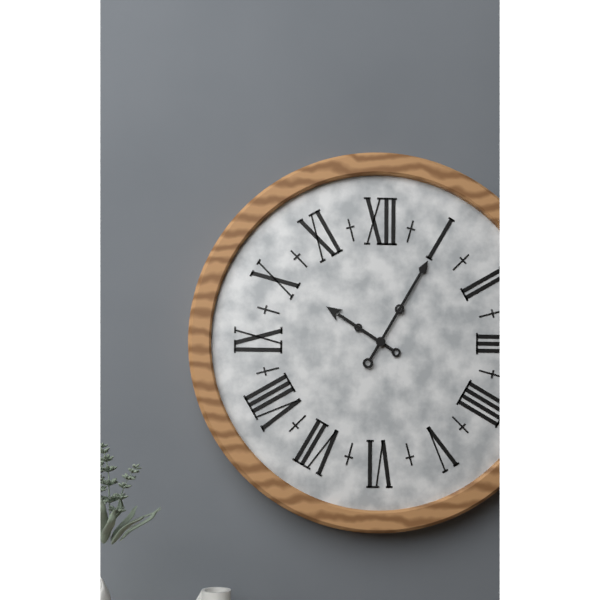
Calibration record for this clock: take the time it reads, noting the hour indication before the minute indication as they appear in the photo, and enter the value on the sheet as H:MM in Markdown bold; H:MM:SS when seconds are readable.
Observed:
**10:05**
